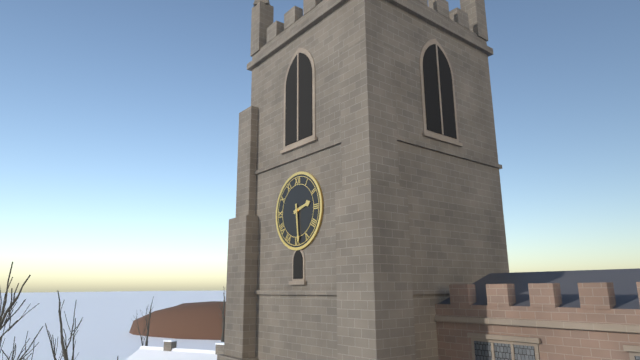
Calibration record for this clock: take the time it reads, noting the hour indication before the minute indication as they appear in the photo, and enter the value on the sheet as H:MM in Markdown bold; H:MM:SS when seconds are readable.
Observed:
**2:29**
